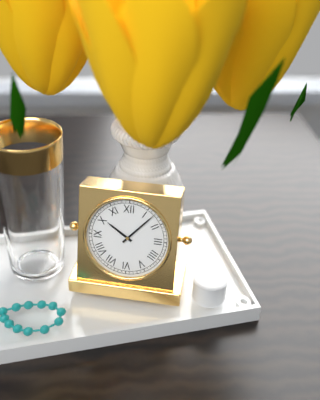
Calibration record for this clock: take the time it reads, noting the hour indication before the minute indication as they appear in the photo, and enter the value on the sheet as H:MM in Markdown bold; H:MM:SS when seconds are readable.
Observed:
**10:07**
